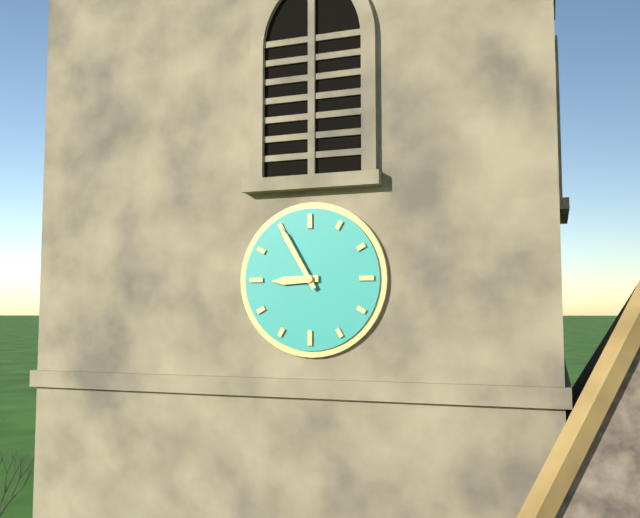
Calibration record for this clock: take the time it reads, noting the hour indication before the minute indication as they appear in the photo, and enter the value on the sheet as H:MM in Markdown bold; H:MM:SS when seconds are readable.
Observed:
**8:55**
